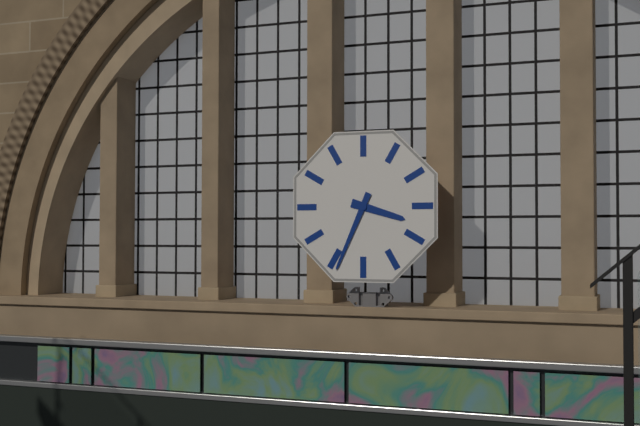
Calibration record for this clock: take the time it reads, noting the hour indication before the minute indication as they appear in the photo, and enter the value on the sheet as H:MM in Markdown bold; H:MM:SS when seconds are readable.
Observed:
**3:34**
